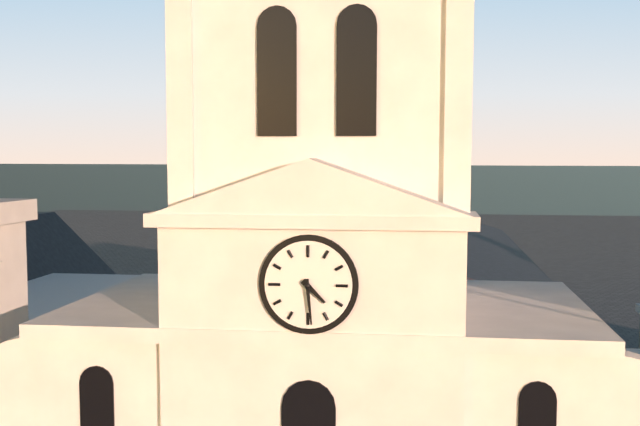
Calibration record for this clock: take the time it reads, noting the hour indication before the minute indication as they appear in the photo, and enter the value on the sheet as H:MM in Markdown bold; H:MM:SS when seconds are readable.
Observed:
**4:29**
